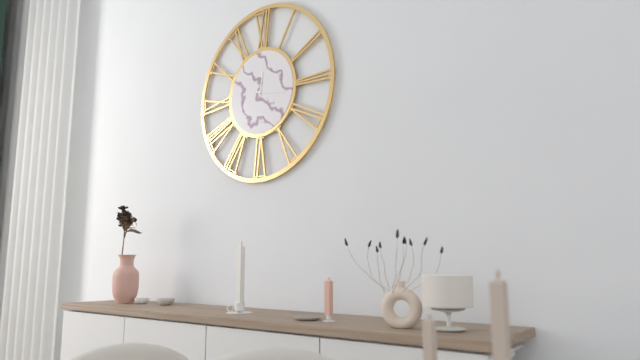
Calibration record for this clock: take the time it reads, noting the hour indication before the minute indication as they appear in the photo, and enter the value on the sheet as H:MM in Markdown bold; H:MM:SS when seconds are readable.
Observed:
**12:17**
